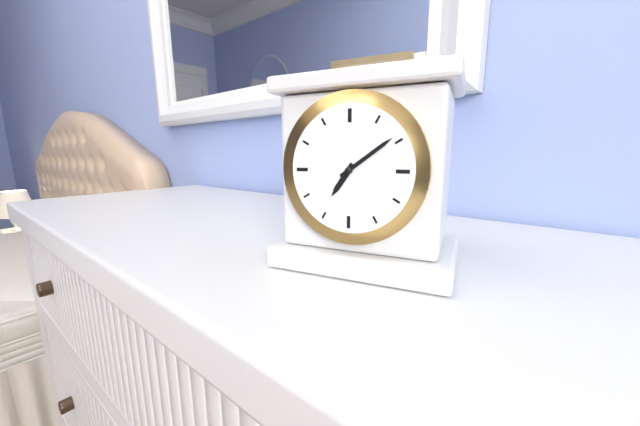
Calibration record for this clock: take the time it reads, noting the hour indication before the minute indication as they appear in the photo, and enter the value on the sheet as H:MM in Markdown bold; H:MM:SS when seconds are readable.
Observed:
**7:09**
